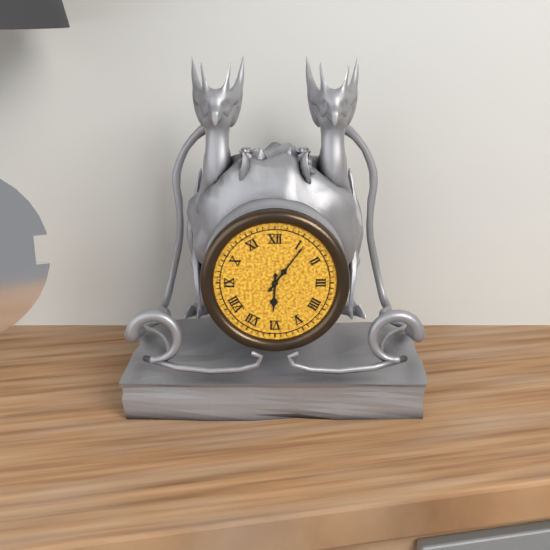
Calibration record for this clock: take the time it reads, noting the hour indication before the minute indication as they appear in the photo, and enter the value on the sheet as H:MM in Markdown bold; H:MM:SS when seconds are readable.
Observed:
**6:06**
